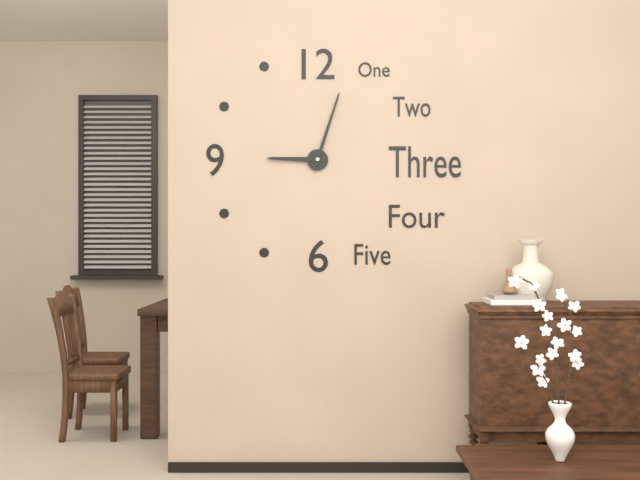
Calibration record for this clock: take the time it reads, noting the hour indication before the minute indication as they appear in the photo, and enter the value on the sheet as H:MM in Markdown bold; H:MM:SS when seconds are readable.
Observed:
**9:03**
